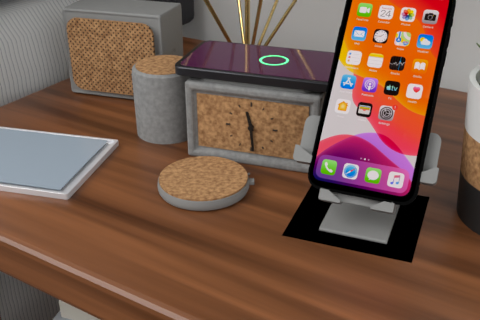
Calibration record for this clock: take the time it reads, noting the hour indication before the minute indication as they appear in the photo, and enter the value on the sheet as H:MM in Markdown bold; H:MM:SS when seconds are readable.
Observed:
**11:29**
